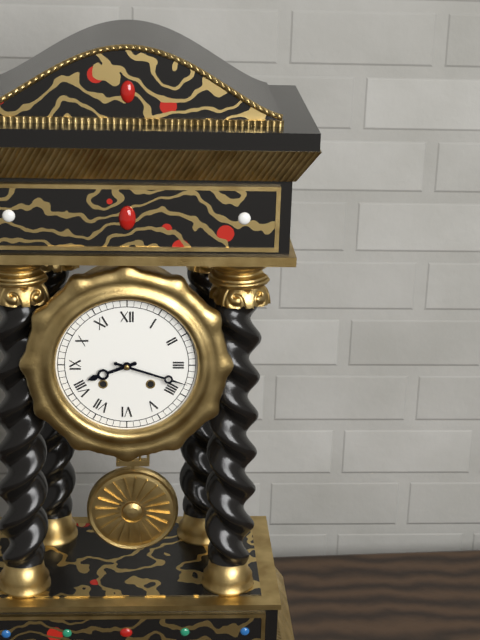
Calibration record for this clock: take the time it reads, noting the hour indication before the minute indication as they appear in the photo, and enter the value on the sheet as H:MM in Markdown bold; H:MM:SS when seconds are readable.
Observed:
**8:18**
